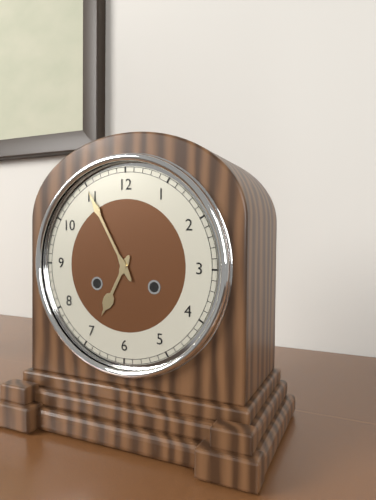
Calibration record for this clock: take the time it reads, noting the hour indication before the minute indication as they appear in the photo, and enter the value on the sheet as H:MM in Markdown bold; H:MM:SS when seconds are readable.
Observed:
**6:55**
